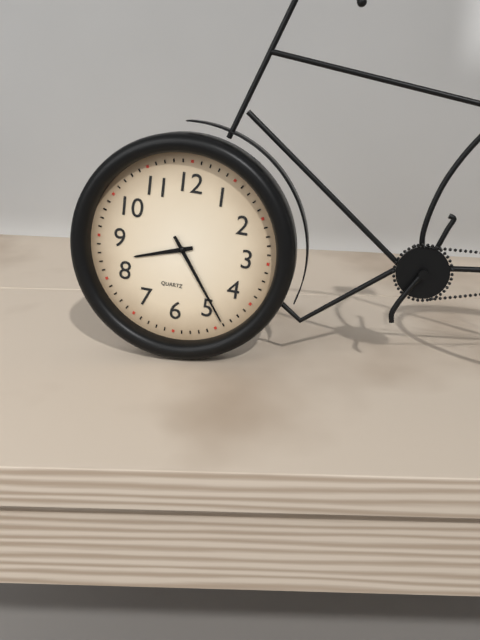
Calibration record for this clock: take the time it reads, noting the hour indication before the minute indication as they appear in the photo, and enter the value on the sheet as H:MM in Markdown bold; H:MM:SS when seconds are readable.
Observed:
**8:24**
